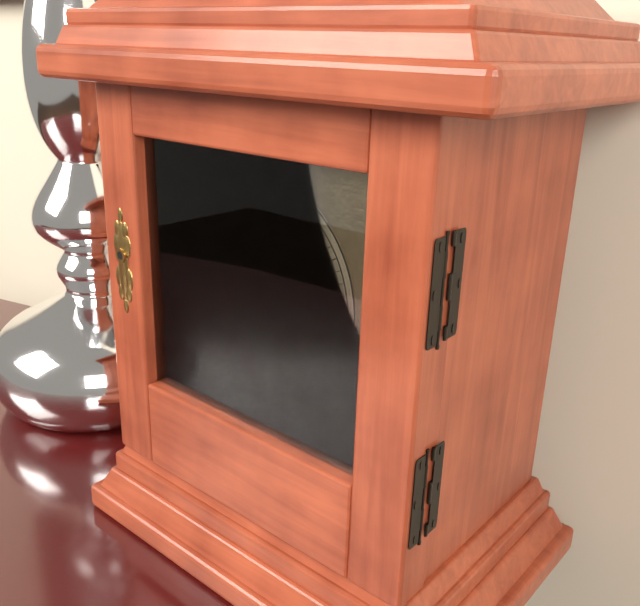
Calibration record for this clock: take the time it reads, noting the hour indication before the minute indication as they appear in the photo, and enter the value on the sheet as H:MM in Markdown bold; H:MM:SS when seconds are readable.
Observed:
**5:51**
